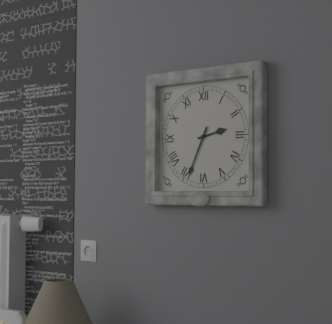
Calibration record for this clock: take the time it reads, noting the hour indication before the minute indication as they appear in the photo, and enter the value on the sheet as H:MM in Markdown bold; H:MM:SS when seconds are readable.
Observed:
**2:34**
